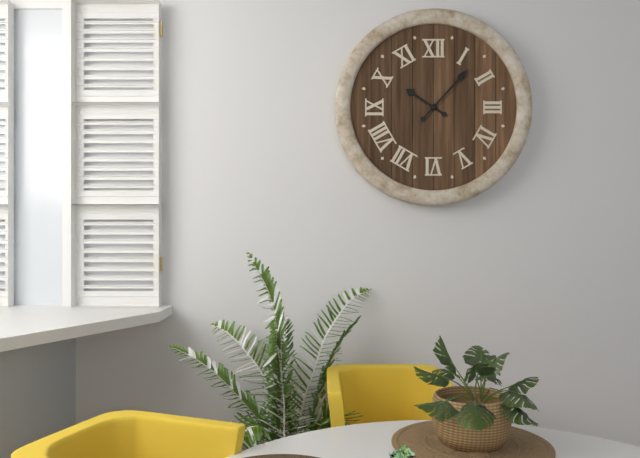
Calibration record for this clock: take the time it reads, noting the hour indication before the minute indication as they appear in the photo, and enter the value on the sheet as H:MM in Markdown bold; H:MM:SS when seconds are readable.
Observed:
**10:07**
